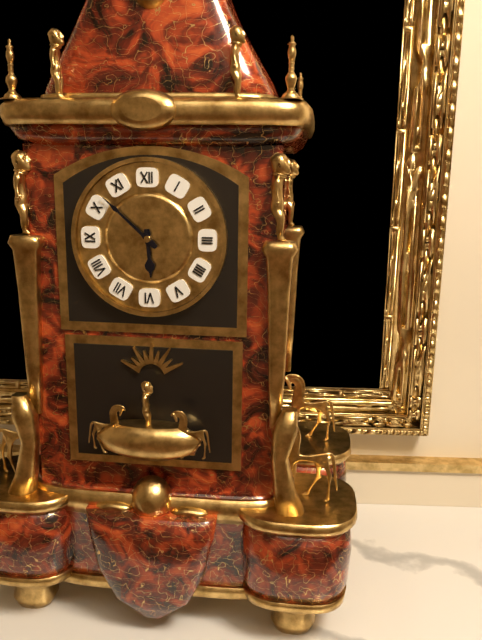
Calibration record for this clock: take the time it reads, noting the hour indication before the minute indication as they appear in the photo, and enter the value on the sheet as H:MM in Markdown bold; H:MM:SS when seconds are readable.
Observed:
**5:52**
